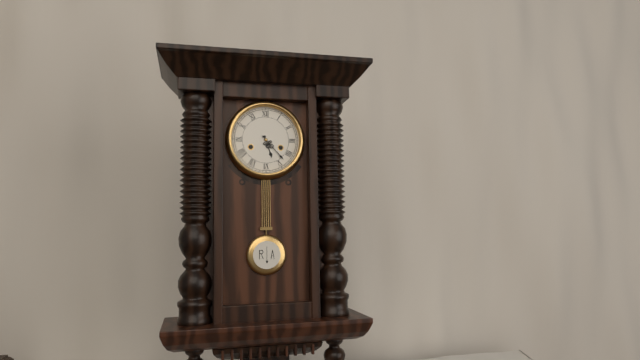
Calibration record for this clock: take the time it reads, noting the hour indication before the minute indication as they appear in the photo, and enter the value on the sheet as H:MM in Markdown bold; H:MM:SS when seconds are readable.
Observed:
**5:23**
